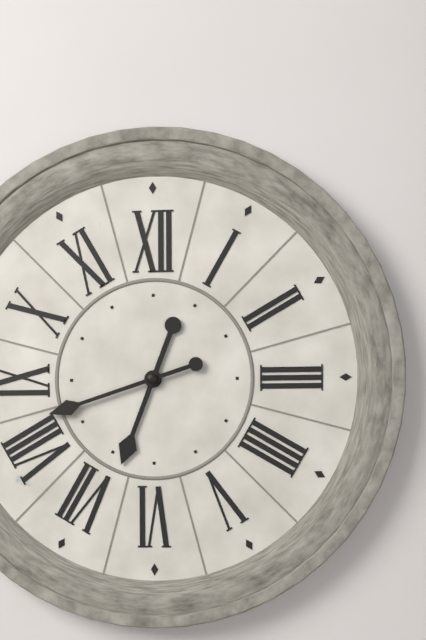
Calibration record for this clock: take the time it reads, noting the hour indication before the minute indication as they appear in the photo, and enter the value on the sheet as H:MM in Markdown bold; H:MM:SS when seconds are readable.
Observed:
**6:42**
